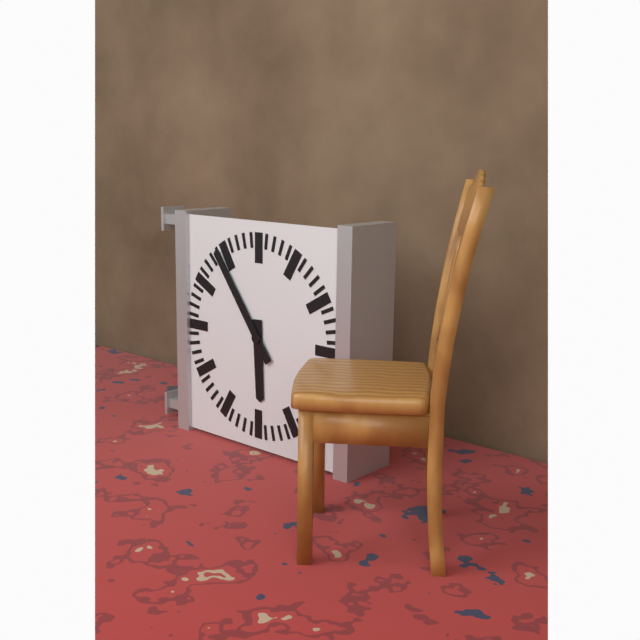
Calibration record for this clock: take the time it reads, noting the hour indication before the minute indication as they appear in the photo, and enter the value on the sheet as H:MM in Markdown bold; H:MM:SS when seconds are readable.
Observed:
**5:54**
